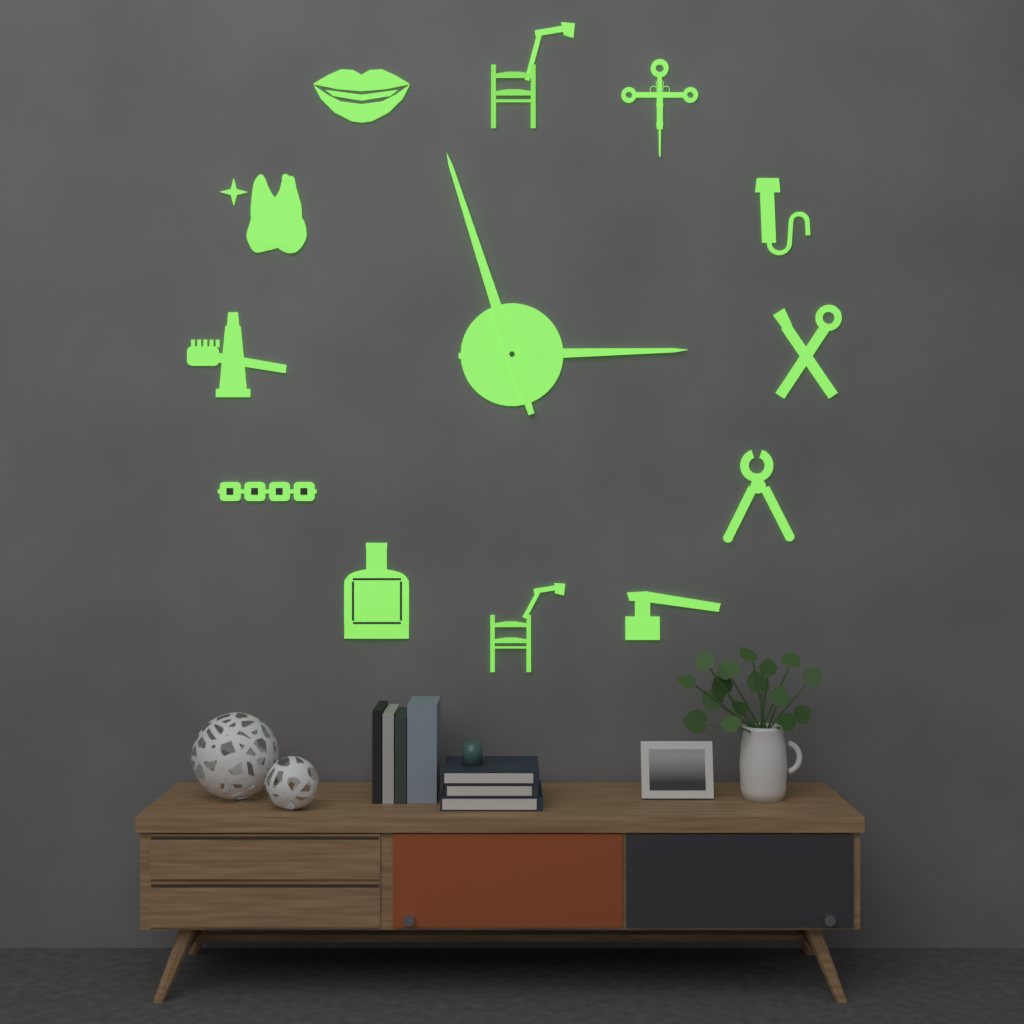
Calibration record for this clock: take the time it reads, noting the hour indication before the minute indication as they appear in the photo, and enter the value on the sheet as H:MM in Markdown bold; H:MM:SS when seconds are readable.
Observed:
**2:57**
